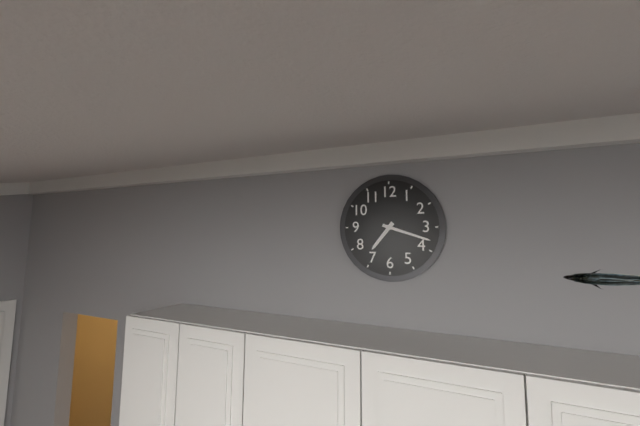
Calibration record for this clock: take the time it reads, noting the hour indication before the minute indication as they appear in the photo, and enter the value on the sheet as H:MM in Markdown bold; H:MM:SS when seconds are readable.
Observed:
**7:18**
